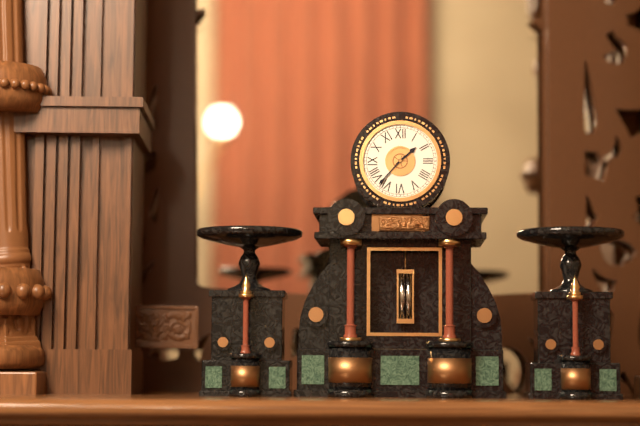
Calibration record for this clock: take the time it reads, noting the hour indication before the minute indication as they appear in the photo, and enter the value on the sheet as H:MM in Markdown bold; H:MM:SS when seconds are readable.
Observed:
**1:37**
